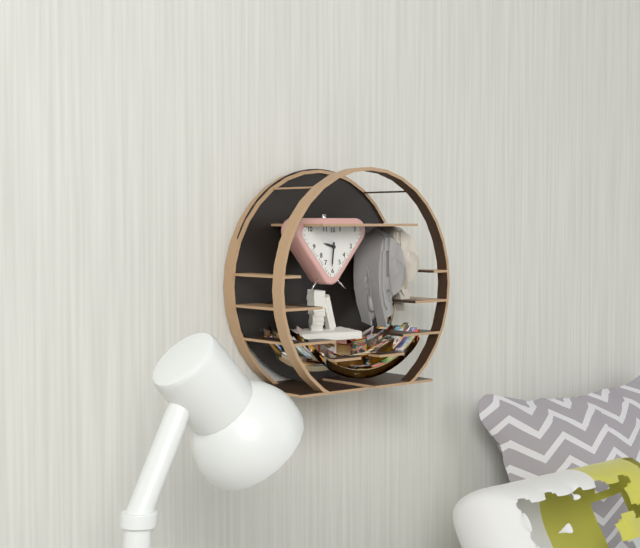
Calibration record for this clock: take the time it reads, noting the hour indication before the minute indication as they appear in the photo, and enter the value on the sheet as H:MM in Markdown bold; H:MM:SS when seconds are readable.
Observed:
**9:31**
